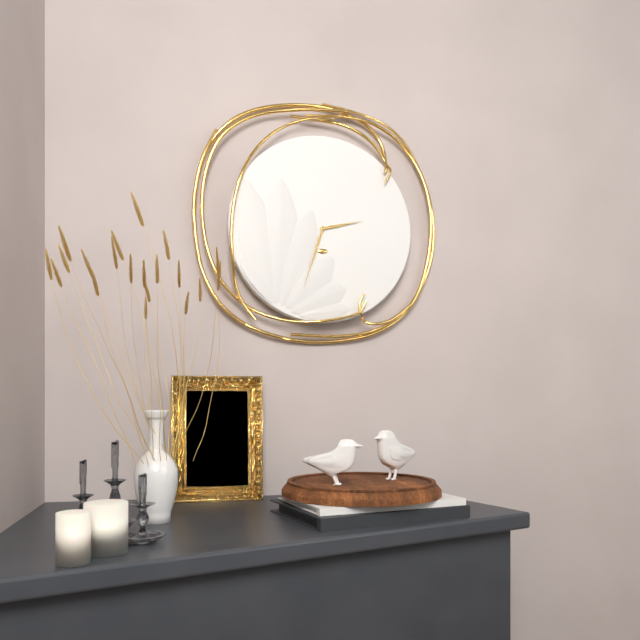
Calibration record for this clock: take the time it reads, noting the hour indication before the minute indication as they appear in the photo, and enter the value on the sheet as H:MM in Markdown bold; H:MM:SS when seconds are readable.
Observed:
**2:33**
